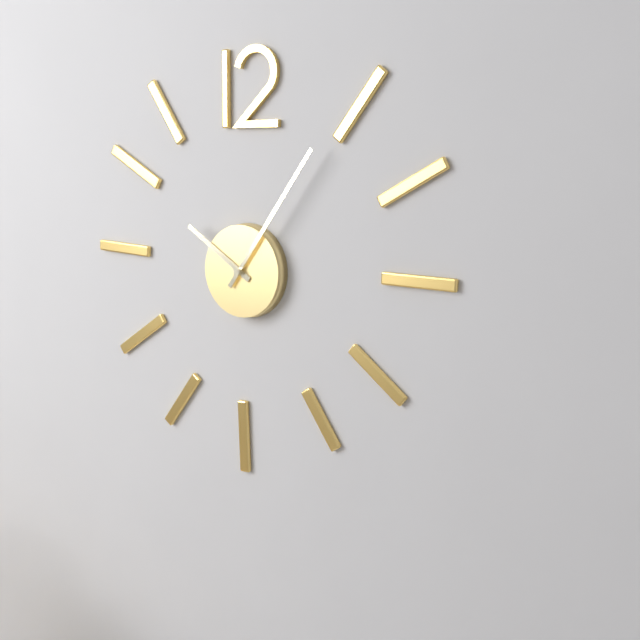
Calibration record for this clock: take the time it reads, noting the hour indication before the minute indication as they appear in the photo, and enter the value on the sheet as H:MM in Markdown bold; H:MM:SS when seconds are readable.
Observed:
**10:06**
